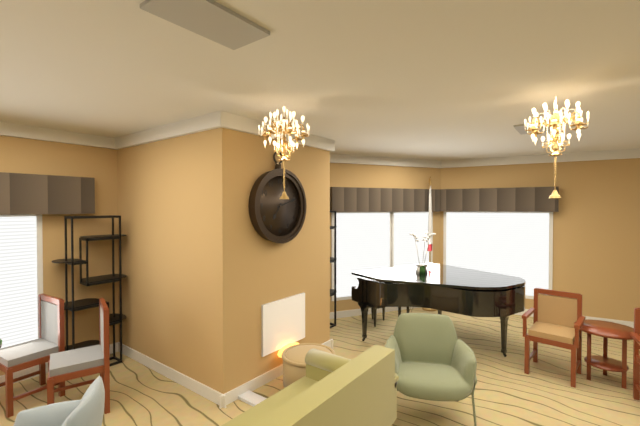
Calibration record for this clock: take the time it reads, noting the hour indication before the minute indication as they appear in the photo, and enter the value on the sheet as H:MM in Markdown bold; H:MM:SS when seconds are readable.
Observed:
**7:12**
